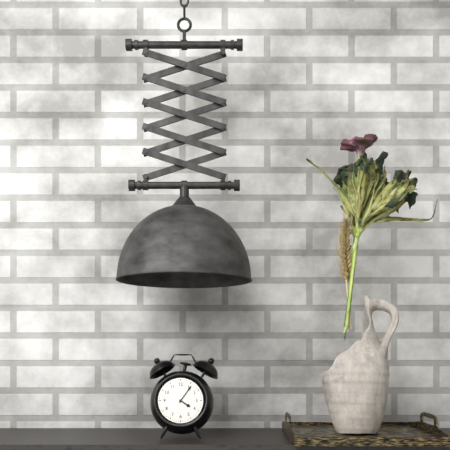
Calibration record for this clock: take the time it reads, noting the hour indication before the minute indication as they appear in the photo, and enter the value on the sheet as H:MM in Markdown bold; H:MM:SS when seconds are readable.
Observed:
**4:06**
